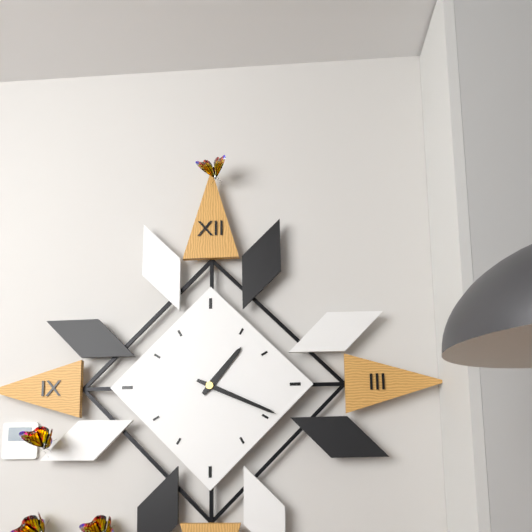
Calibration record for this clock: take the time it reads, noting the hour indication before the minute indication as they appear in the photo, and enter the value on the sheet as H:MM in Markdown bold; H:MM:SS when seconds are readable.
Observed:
**1:19**
